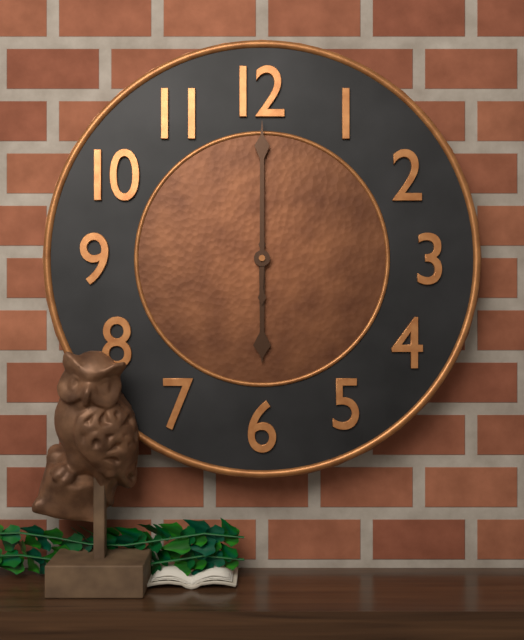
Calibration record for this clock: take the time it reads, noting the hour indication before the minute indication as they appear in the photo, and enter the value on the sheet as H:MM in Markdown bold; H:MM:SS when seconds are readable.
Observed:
**6:00**
